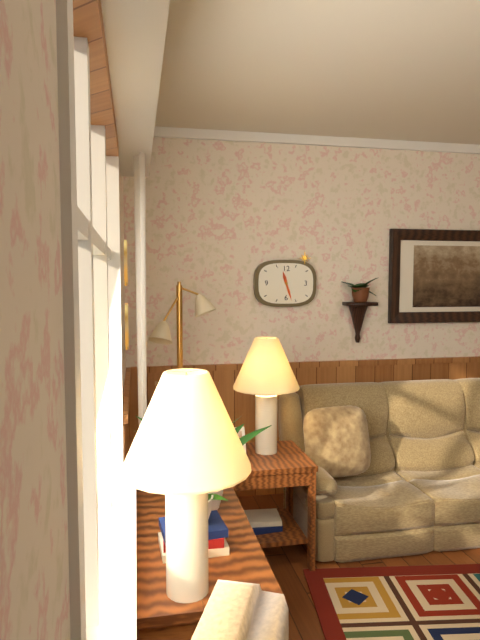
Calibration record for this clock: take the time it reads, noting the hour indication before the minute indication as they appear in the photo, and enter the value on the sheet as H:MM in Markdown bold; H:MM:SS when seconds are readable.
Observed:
**11:27**
